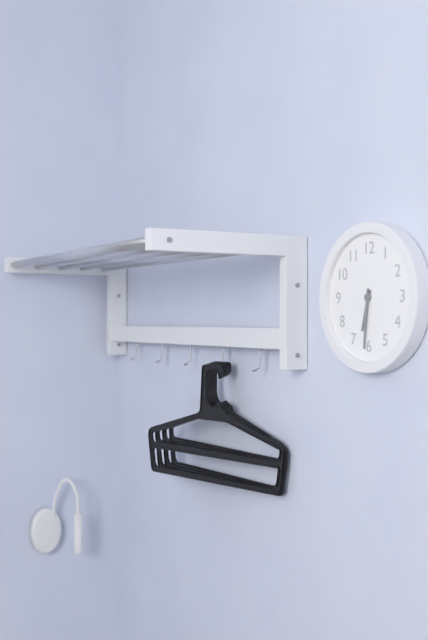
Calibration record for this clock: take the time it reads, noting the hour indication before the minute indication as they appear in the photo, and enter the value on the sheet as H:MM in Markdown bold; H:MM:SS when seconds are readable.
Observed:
**6:31**
